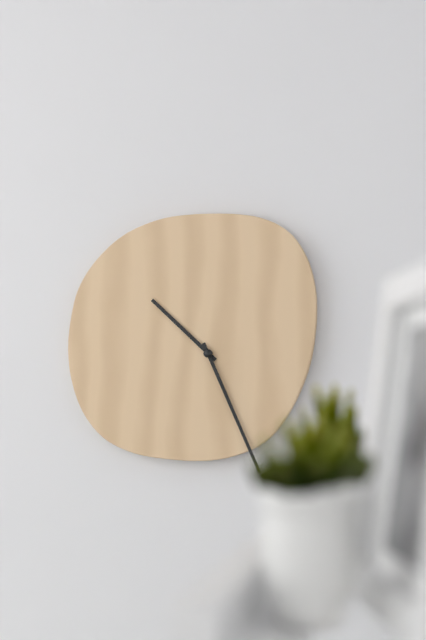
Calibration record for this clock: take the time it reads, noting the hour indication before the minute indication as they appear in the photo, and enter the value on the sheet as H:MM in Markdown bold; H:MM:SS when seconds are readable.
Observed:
**10:26**
